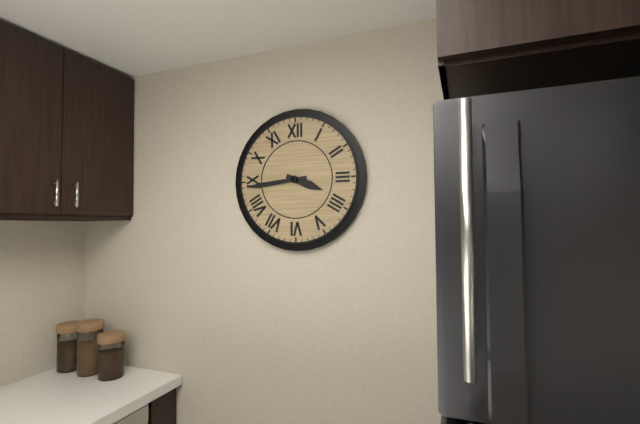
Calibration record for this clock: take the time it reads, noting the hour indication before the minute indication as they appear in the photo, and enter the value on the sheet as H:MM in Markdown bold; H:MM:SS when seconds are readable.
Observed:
**3:44**
